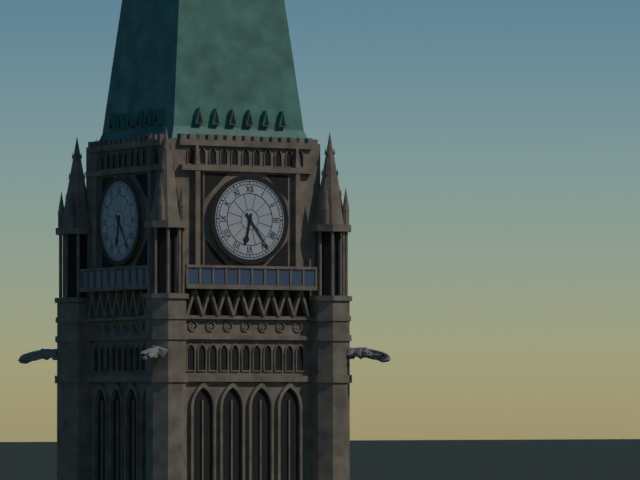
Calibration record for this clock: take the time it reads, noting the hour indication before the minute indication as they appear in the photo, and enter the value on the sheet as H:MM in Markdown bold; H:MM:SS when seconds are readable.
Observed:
**6:24**
